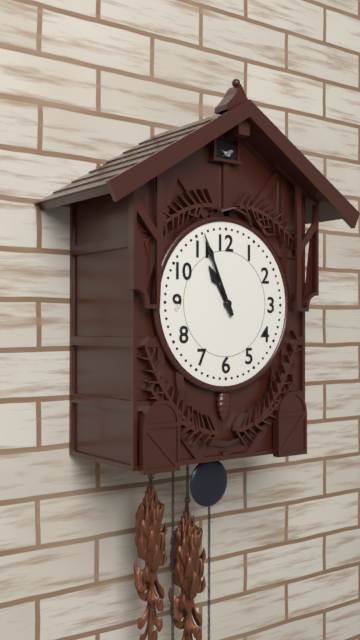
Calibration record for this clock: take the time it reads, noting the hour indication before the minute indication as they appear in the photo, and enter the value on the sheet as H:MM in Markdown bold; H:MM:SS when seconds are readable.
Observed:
**10:56**
